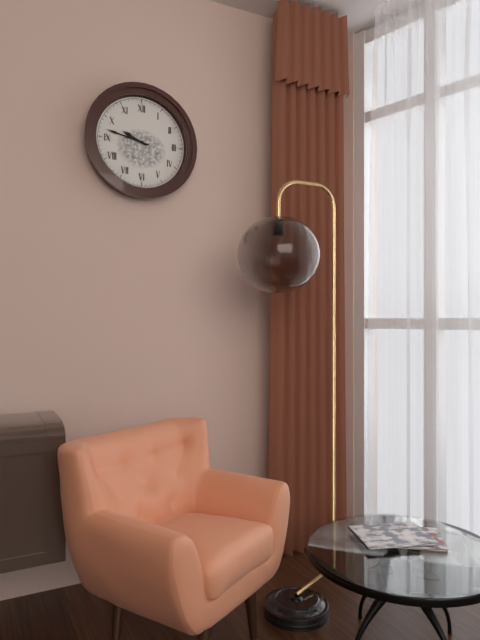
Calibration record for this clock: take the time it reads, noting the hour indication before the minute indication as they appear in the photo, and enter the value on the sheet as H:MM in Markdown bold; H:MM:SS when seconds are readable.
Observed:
**9:47**
